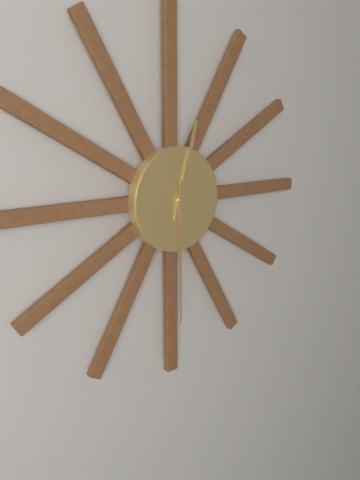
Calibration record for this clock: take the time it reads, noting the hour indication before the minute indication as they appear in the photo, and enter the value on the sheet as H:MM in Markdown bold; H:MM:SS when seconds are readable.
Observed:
**12:30**
